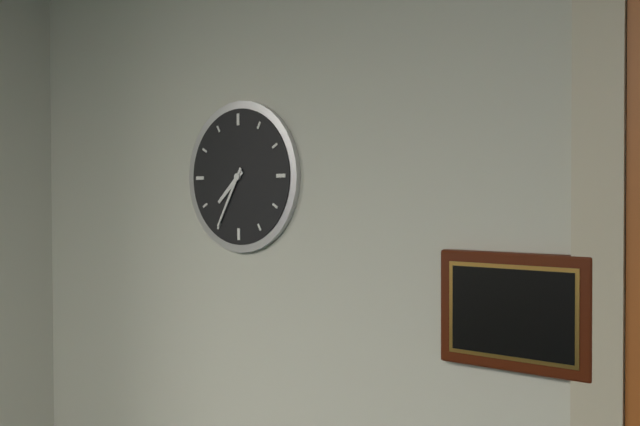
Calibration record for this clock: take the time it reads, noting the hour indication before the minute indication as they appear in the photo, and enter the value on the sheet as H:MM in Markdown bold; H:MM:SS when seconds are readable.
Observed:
**7:35**
